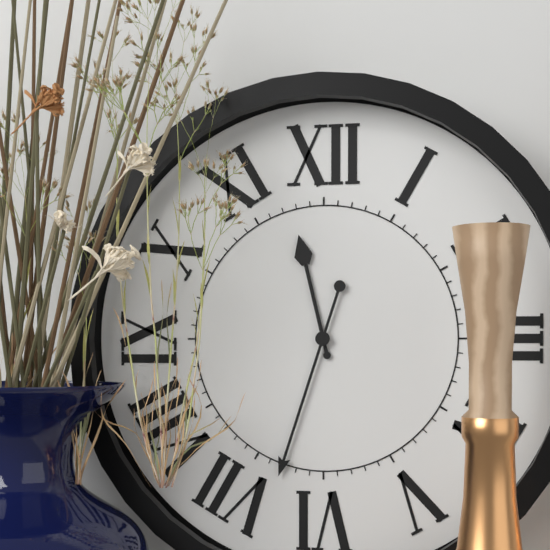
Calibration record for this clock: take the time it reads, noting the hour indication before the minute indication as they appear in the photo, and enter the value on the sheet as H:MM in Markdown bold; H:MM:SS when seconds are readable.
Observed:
**11:33**
